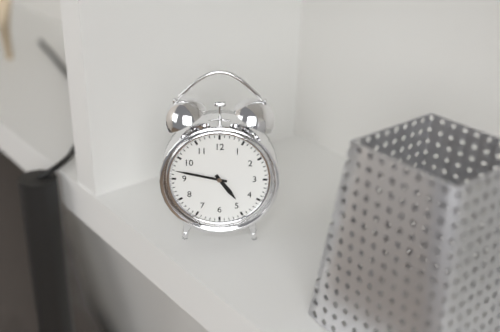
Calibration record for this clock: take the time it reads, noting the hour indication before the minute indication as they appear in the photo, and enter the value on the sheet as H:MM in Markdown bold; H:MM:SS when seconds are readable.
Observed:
**4:47**
